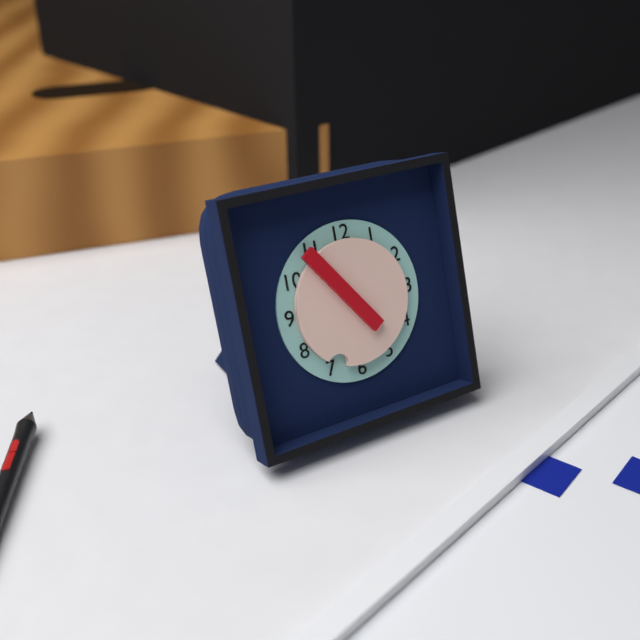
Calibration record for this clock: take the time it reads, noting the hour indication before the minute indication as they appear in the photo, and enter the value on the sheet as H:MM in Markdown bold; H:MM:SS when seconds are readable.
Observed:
**6:54**
